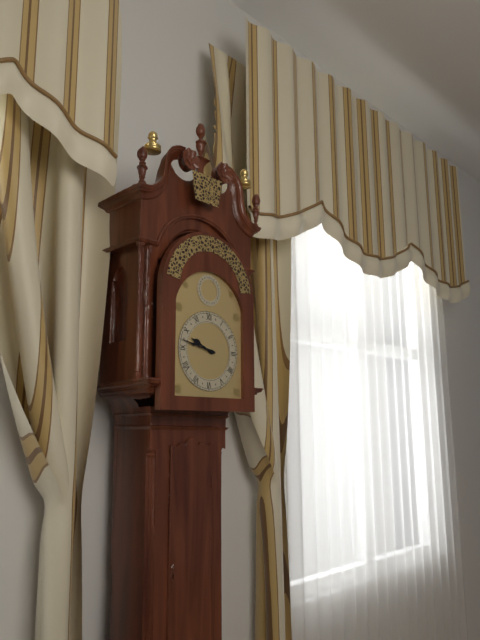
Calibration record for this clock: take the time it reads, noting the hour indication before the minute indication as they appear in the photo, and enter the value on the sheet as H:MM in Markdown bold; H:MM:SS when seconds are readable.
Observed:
**9:47**
